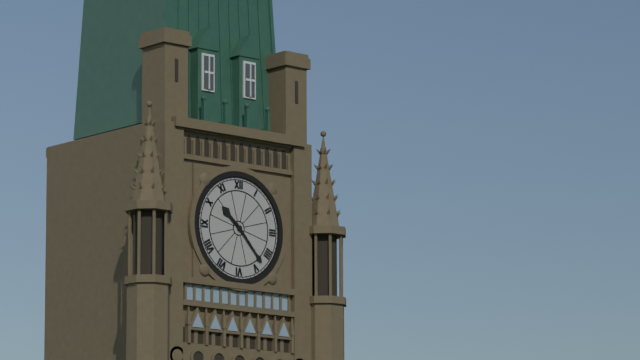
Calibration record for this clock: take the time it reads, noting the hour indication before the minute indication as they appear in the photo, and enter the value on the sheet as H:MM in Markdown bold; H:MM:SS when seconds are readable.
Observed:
**10:23**
